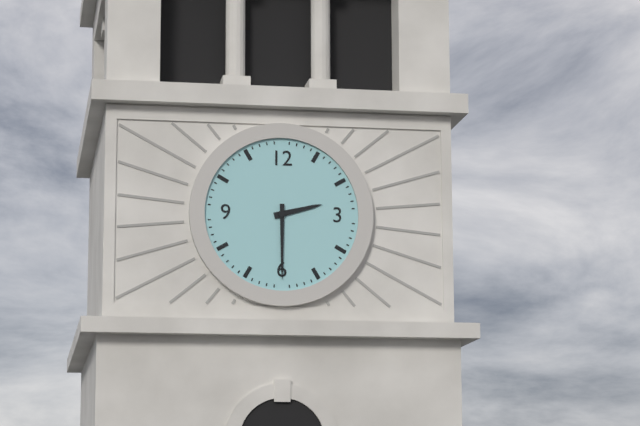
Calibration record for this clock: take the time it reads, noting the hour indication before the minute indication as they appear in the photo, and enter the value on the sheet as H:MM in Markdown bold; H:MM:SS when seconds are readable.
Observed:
**2:30**
